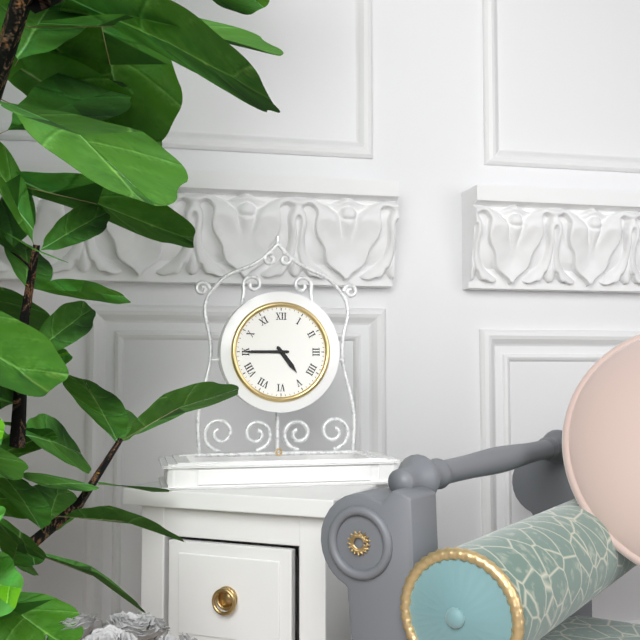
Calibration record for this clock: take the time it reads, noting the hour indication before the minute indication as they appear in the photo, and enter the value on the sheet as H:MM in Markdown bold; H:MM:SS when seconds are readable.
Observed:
**4:45**
